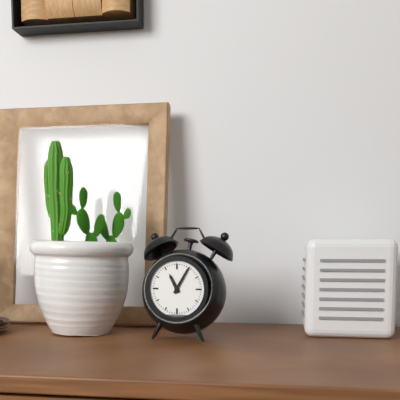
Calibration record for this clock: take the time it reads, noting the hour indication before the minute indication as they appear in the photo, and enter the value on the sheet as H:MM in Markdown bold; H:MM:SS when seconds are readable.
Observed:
**11:05**
